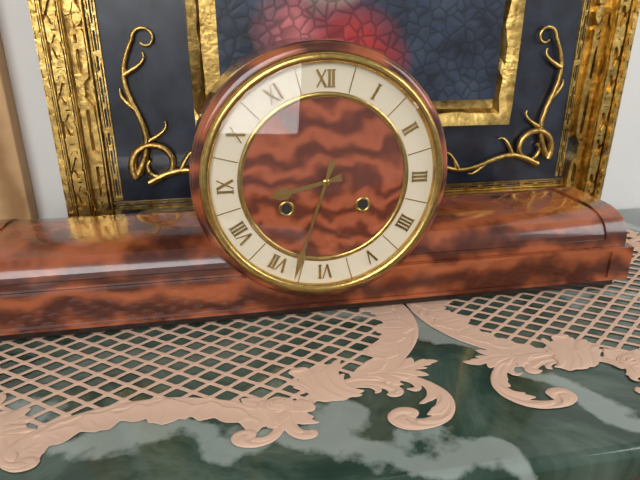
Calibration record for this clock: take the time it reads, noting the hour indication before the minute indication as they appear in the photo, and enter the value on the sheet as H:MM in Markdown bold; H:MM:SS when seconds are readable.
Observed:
**8:33**
